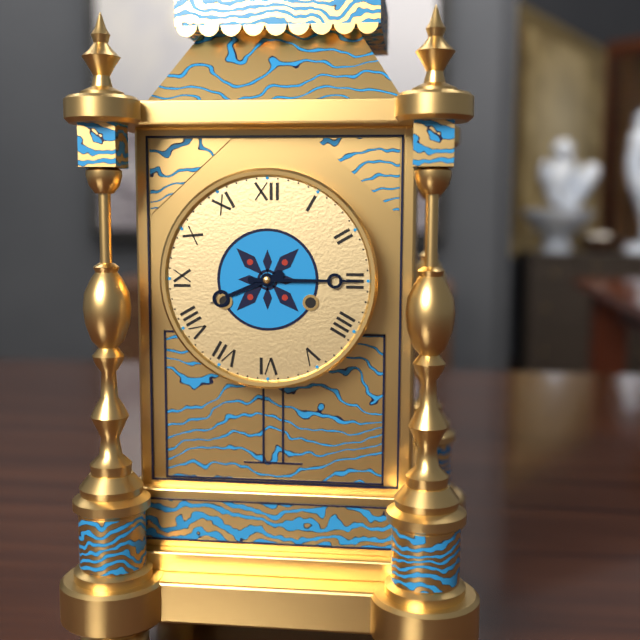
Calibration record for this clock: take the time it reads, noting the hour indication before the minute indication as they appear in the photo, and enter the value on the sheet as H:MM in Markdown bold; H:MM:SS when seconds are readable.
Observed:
**8:15**
